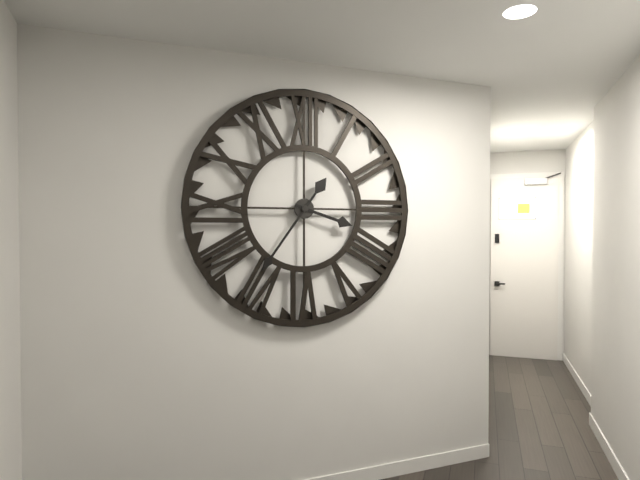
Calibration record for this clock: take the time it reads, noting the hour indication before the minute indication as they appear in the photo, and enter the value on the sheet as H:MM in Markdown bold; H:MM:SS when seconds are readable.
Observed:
**3:36**
